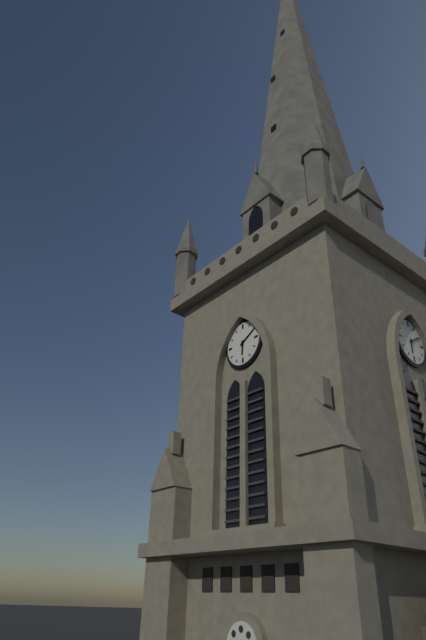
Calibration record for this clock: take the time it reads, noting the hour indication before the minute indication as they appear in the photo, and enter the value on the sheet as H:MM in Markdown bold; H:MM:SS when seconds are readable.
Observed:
**6:10**
